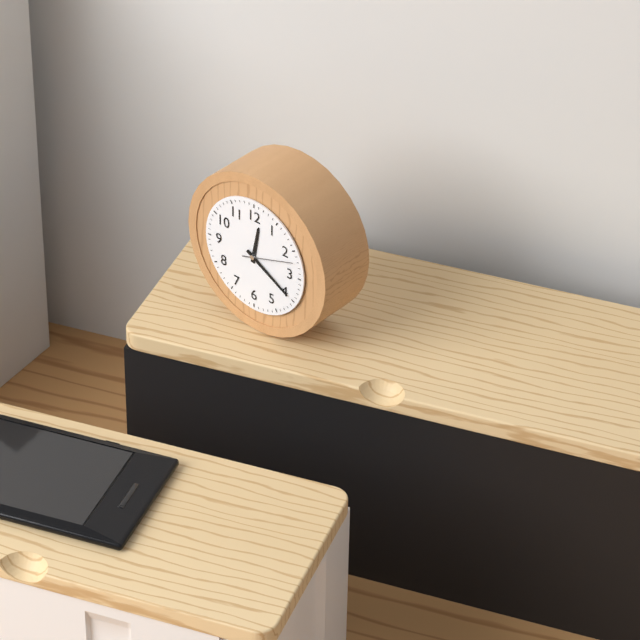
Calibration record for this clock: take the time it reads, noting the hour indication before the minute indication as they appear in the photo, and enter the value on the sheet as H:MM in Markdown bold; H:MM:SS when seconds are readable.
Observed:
**12:20**
